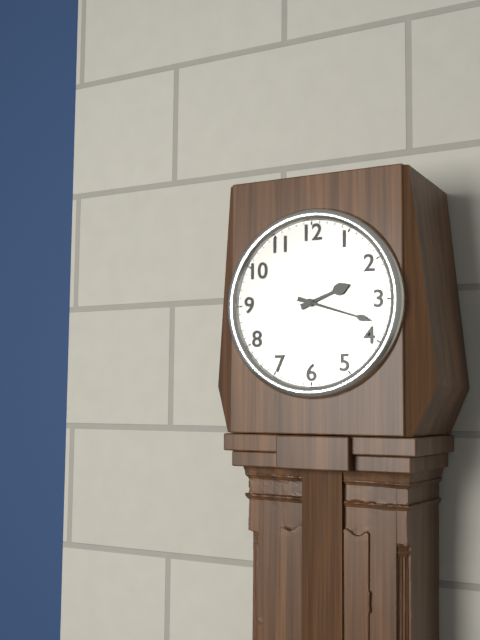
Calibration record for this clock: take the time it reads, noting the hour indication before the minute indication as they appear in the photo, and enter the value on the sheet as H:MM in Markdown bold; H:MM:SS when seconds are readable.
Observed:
**2:18**
